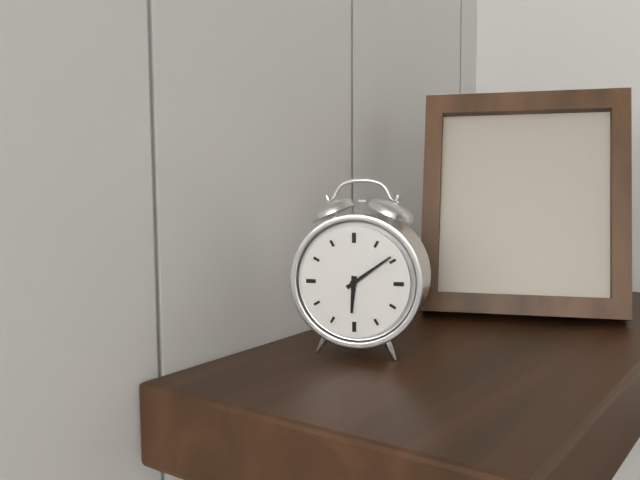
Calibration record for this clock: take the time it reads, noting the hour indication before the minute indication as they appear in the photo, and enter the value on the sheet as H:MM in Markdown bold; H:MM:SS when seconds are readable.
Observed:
**6:09**
